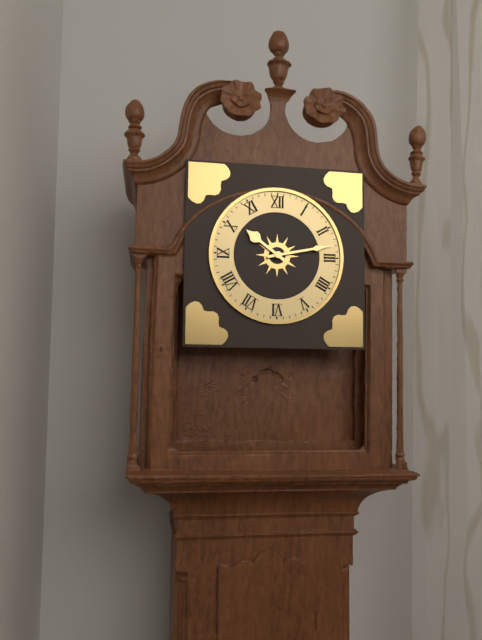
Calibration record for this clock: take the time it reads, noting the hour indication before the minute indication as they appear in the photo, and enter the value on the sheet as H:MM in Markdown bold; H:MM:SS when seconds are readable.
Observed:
**10:13**
